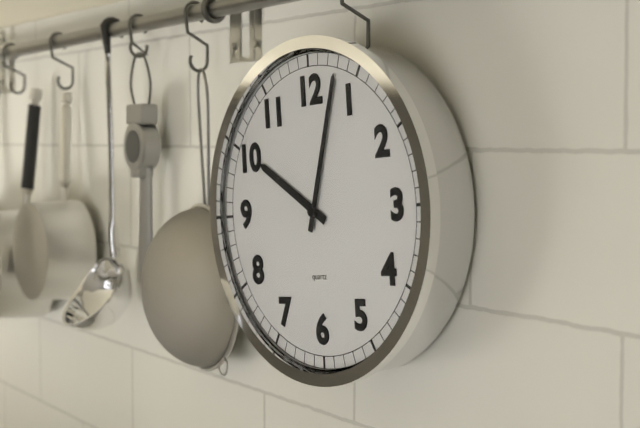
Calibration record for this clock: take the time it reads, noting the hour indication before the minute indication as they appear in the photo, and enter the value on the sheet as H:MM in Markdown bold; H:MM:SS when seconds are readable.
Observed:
**10:03**
